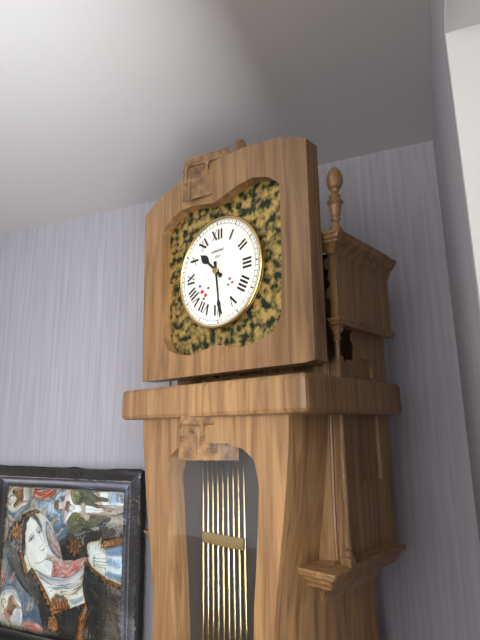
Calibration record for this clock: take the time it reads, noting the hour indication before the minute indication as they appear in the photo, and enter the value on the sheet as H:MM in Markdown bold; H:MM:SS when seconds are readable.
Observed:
**10:29**
